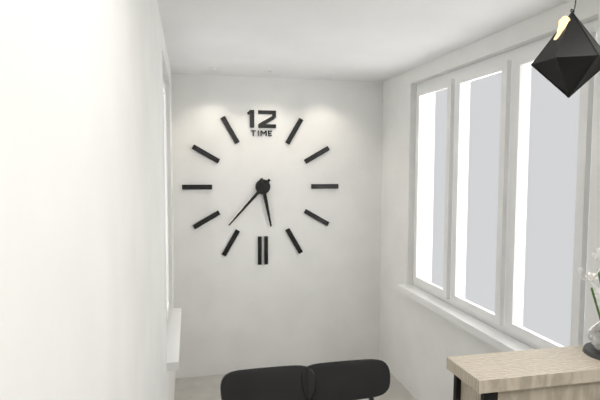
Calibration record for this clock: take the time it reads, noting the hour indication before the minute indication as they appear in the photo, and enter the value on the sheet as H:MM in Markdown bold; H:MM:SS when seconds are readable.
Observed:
**5:37**
